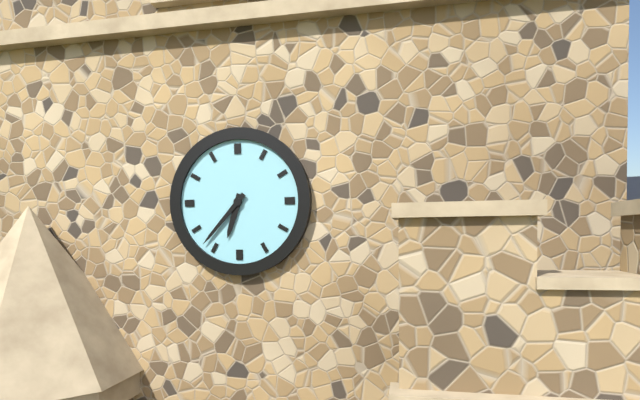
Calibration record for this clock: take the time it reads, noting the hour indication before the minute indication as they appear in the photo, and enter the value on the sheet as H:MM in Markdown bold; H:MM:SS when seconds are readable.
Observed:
**6:37**
